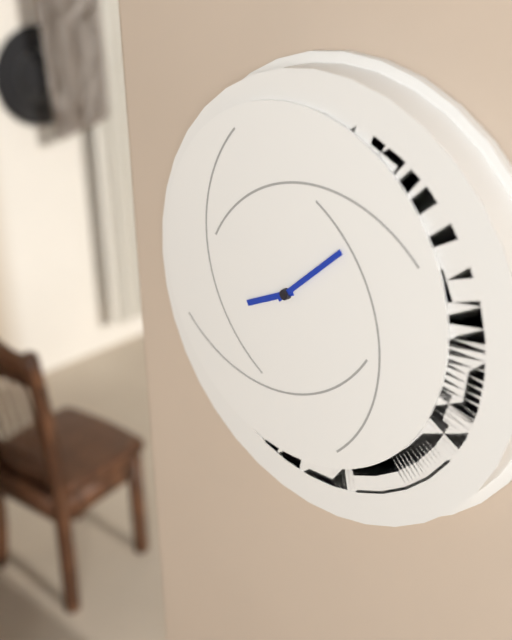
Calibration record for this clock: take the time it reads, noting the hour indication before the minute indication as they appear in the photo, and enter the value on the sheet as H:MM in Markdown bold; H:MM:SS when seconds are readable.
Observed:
**8:08**
